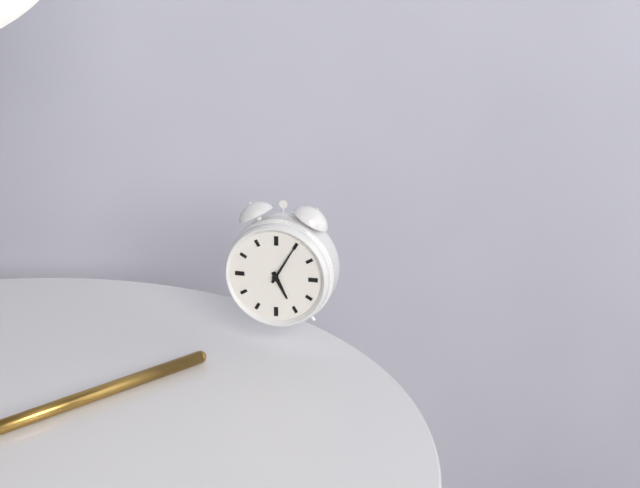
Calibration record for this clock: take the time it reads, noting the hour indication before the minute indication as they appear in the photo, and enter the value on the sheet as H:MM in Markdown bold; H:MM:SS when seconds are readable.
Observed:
**5:05**
